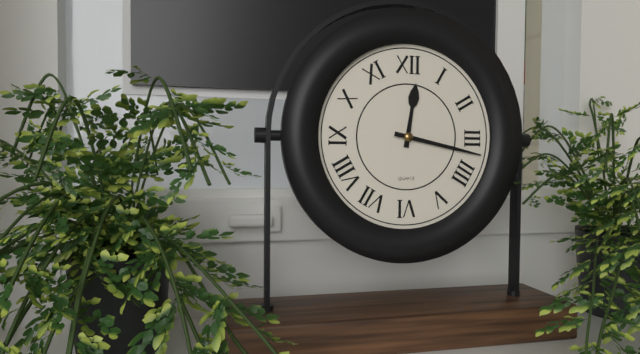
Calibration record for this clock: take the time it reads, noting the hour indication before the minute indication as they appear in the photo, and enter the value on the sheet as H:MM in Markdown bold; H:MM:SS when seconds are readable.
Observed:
**12:17**
